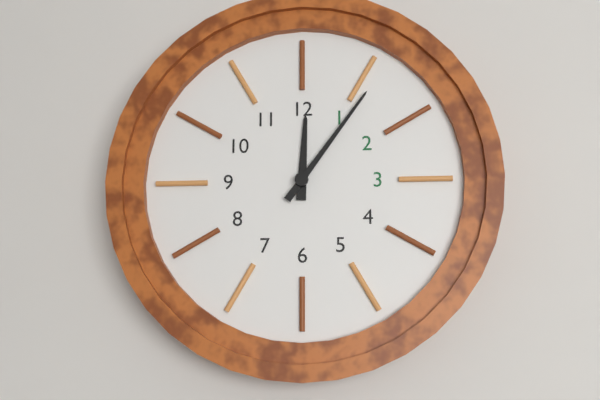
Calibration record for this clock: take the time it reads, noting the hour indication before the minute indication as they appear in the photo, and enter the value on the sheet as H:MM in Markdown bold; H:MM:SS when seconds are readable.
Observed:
**12:06**
